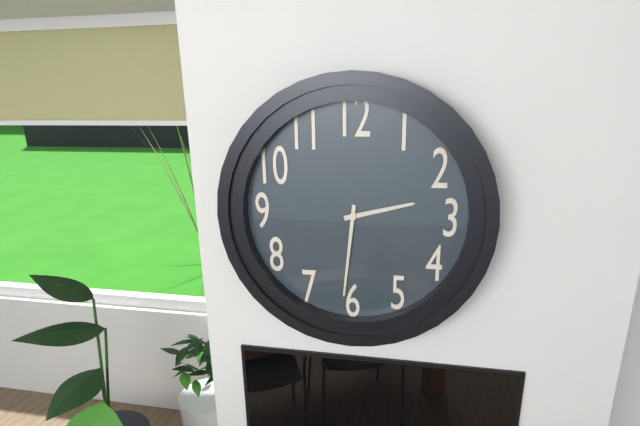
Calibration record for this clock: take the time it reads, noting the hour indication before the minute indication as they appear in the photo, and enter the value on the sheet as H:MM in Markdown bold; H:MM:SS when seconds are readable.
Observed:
**2:31**
